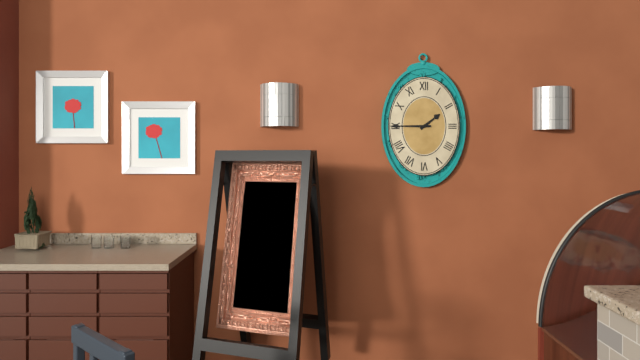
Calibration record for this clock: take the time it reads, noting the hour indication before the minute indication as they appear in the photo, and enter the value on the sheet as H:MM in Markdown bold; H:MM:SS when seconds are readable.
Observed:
**1:45**
